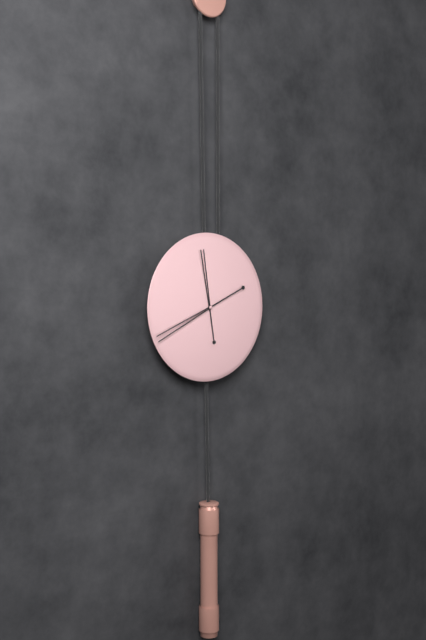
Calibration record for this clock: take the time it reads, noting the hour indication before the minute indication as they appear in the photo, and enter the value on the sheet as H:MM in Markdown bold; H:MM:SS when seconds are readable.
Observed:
**11:41**
